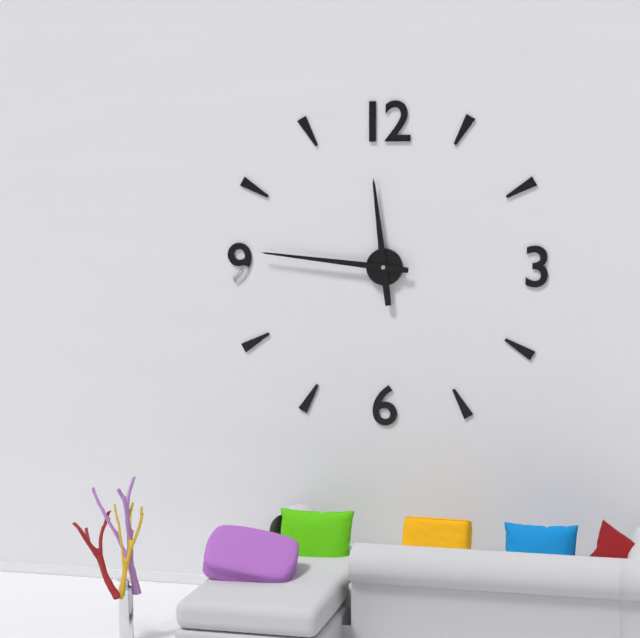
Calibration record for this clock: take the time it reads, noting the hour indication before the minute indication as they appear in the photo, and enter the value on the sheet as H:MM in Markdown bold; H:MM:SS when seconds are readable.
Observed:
**11:46**
